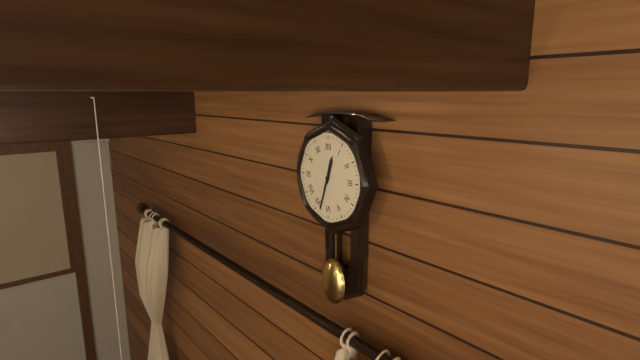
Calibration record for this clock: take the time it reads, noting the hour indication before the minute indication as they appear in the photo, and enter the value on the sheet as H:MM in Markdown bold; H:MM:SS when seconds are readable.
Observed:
**12:33**
